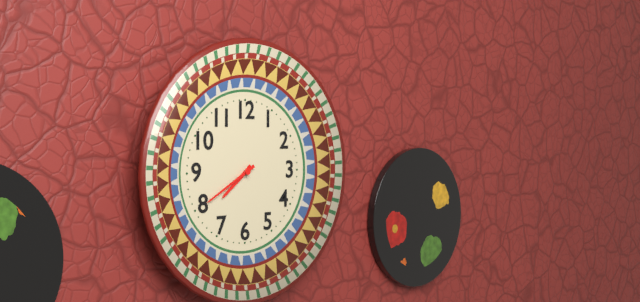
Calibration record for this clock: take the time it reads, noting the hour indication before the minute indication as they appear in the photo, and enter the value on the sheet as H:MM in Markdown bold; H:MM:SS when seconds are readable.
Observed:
**7:40**
